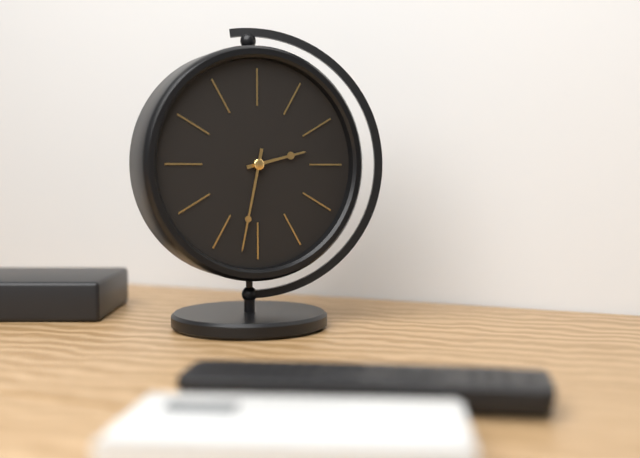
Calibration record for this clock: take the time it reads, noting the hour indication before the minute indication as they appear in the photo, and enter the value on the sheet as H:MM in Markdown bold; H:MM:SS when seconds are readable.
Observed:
**2:32**
